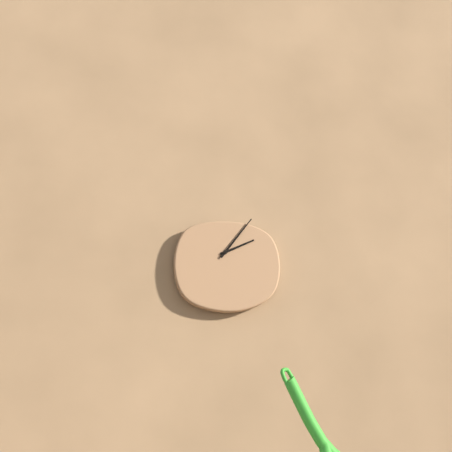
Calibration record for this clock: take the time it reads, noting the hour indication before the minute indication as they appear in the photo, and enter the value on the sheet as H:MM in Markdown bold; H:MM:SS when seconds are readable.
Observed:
**2:06**
